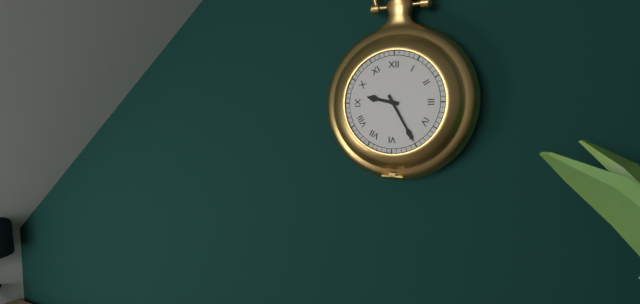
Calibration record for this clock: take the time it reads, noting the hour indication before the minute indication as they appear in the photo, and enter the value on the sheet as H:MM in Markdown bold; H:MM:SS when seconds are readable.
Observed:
**9:25**
